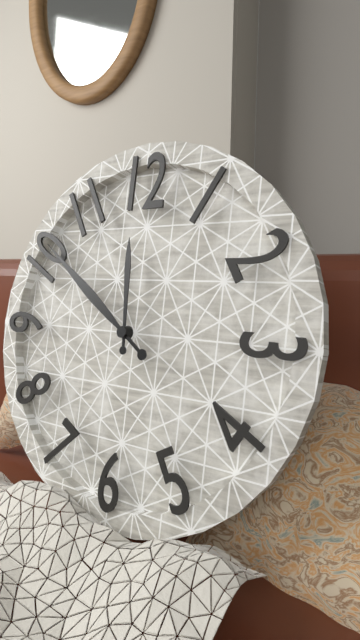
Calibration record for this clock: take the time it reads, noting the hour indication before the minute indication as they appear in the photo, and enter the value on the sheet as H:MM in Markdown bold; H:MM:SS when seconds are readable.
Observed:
**11:51**
